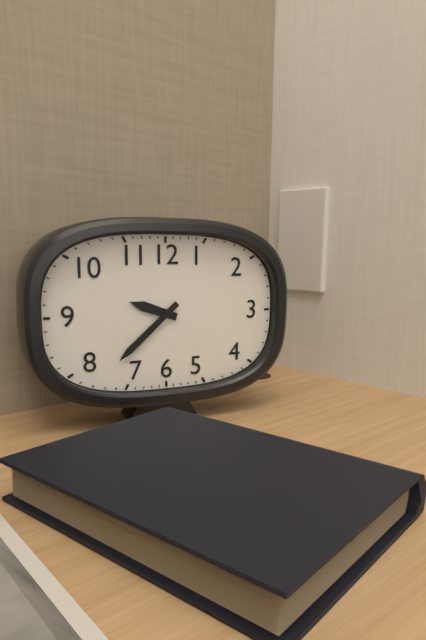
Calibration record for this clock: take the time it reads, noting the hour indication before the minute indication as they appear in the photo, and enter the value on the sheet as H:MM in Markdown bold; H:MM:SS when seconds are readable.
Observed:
**9:38**
